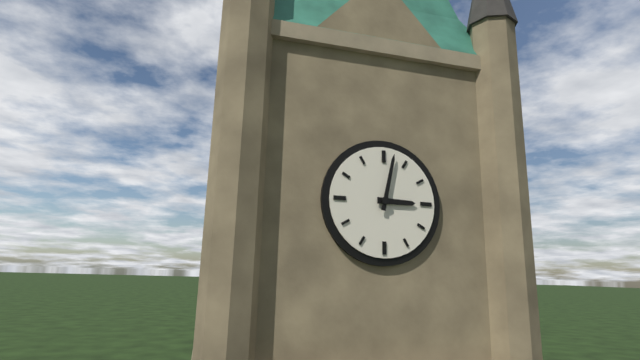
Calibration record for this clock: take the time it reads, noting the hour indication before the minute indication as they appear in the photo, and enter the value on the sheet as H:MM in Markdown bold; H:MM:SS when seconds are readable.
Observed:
**3:02**
